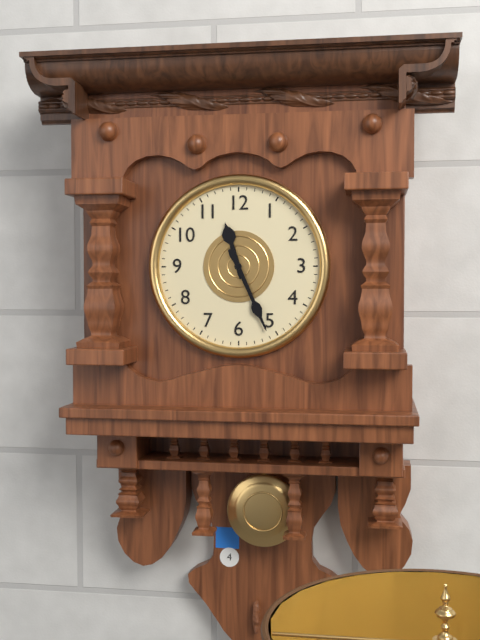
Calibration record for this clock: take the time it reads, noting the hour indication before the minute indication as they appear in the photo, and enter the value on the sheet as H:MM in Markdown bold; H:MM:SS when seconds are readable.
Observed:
**11:26**
